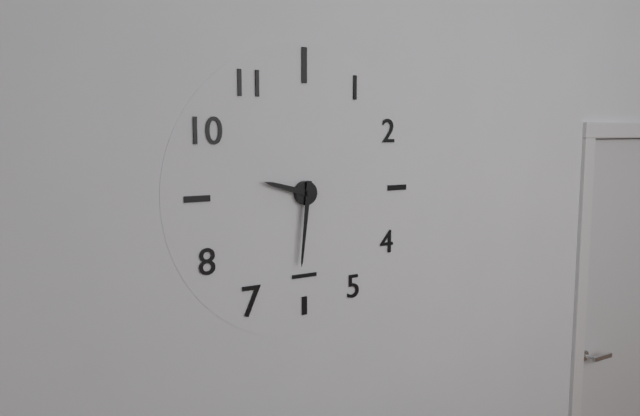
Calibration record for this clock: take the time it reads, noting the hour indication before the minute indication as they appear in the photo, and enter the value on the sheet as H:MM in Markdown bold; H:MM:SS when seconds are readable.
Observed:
**9:31**
